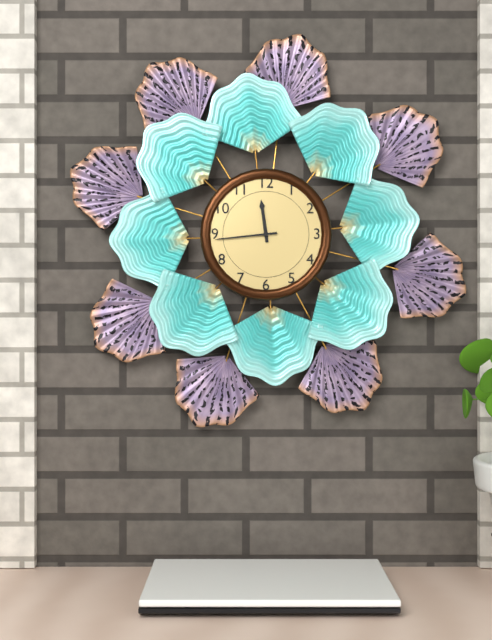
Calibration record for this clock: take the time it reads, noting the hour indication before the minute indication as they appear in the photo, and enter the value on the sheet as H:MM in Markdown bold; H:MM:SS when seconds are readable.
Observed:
**11:44**
